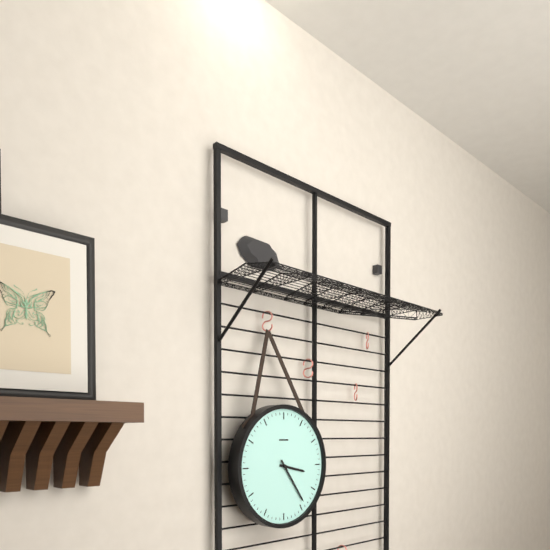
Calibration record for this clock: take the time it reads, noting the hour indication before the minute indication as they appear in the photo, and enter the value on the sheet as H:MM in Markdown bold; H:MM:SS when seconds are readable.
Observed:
**3:24**
